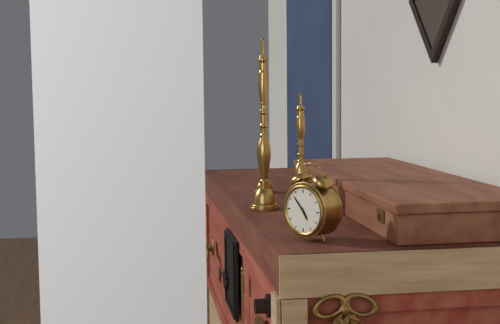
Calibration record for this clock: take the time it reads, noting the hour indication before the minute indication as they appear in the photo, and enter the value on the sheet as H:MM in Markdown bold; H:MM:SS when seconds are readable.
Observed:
**4:53**
